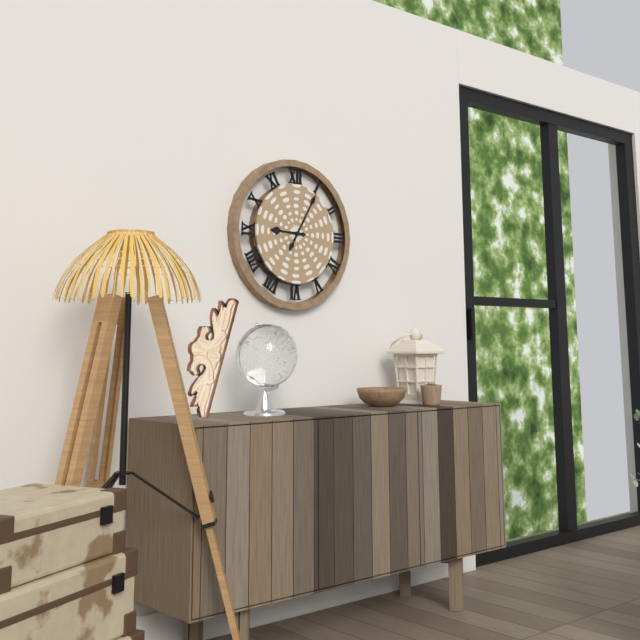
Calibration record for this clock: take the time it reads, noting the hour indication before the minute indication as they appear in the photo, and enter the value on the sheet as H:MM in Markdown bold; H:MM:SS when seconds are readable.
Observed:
**9:05**
